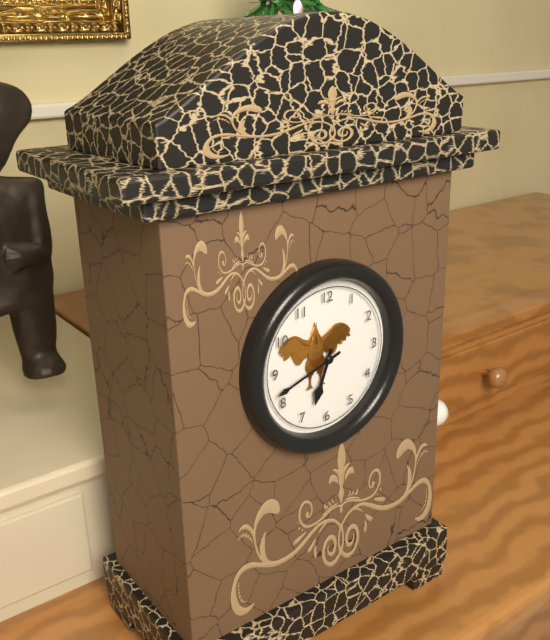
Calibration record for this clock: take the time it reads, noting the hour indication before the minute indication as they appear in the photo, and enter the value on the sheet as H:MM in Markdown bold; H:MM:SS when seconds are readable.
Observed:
**6:42**
